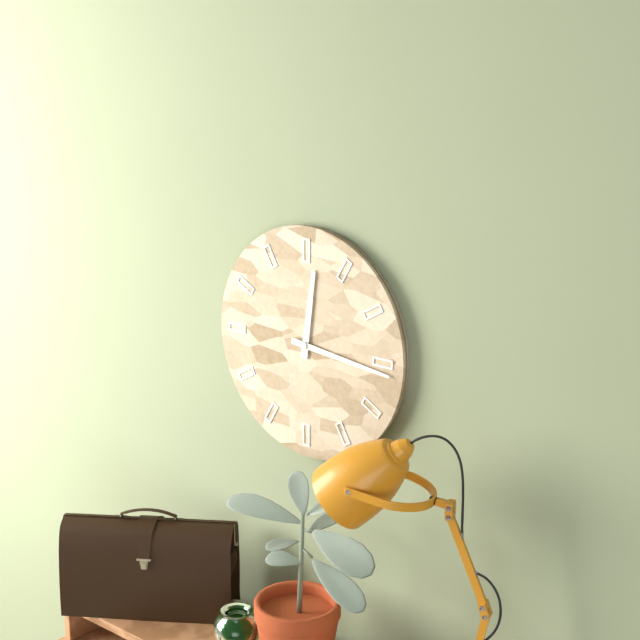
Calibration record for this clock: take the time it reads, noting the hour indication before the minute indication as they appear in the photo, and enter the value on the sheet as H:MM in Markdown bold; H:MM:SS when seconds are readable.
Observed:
**12:16**
